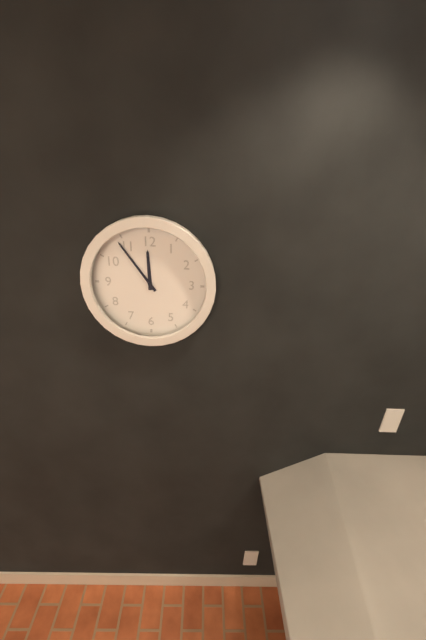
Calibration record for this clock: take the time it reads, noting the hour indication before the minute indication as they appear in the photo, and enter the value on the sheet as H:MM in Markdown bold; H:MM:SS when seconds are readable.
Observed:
**11:54**
